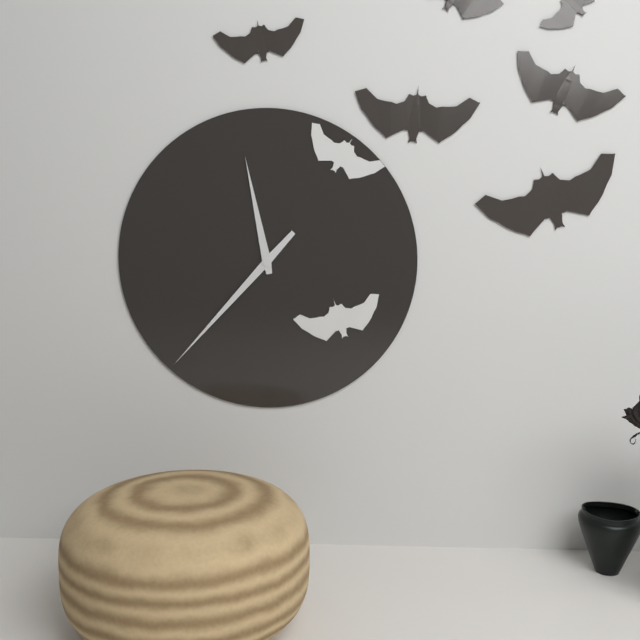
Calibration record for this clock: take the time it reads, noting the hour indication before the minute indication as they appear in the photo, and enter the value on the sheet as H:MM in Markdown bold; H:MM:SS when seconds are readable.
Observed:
**11:37**
